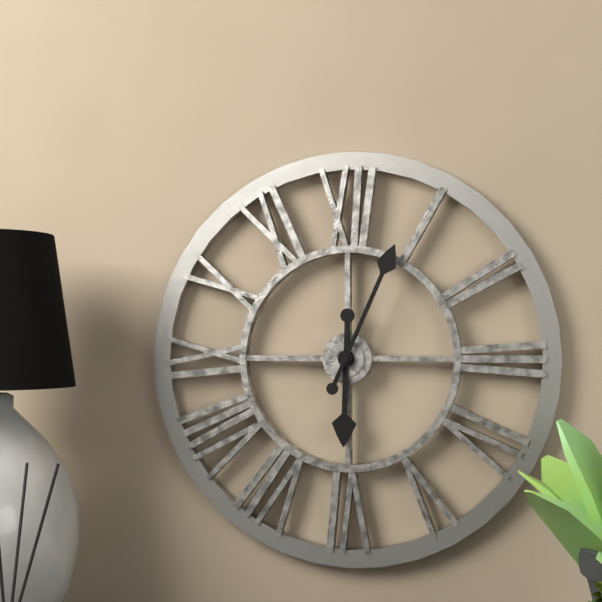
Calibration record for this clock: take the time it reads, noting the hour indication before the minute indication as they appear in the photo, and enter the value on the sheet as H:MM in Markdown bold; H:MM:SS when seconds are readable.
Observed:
**6:04**
